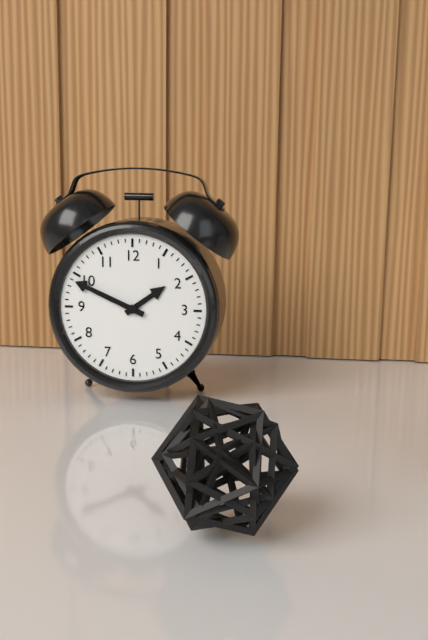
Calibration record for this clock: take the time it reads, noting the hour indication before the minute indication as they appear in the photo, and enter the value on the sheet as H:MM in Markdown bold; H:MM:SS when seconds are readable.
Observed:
**1:49**
